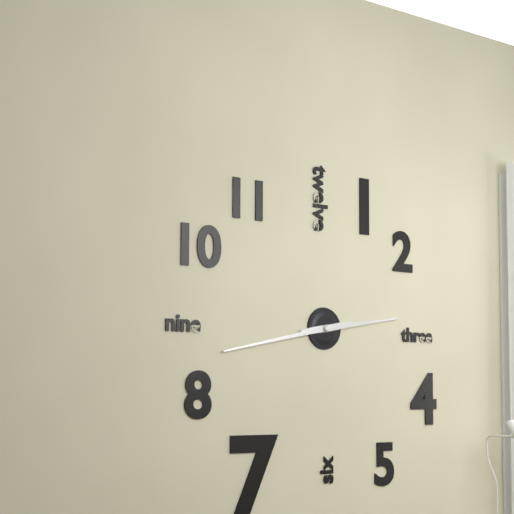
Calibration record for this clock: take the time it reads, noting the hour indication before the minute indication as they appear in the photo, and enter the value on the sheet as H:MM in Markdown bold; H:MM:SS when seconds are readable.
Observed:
**2:43**
